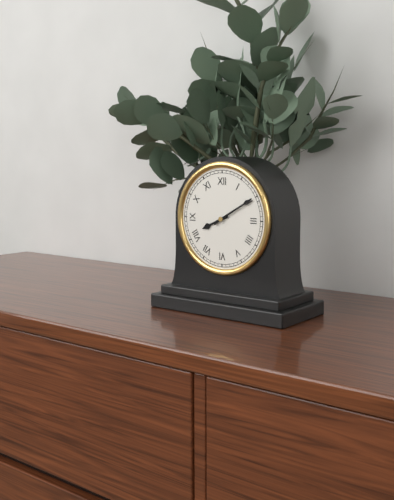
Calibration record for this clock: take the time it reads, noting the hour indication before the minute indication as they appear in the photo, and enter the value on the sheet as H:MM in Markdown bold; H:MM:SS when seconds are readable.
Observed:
**8:10**
